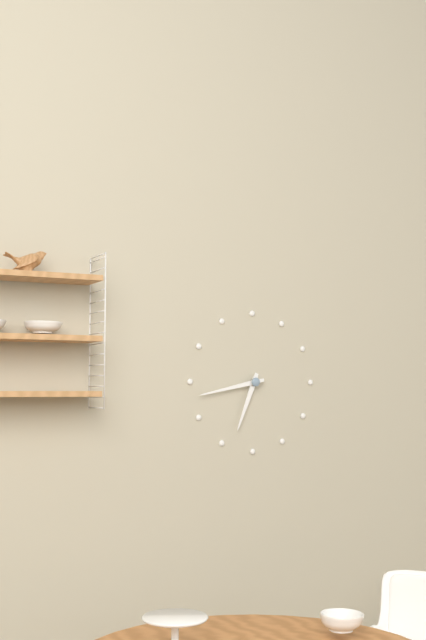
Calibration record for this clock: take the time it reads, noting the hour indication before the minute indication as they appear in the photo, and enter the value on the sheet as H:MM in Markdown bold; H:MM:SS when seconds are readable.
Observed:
**6:43**
